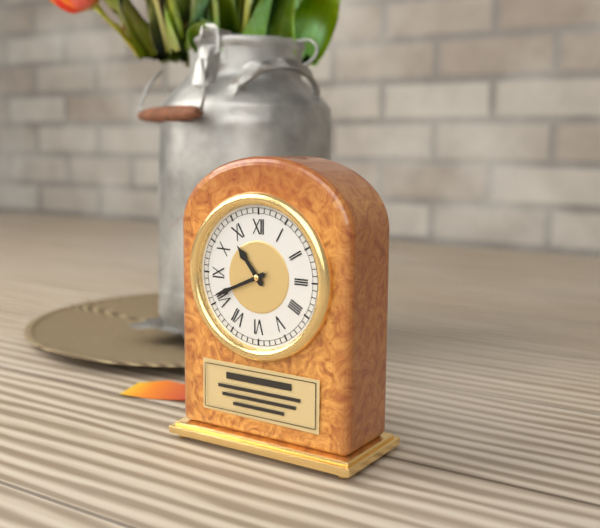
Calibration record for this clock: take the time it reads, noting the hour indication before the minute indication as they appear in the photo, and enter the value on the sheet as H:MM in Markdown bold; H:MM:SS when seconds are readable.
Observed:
**10:41**
